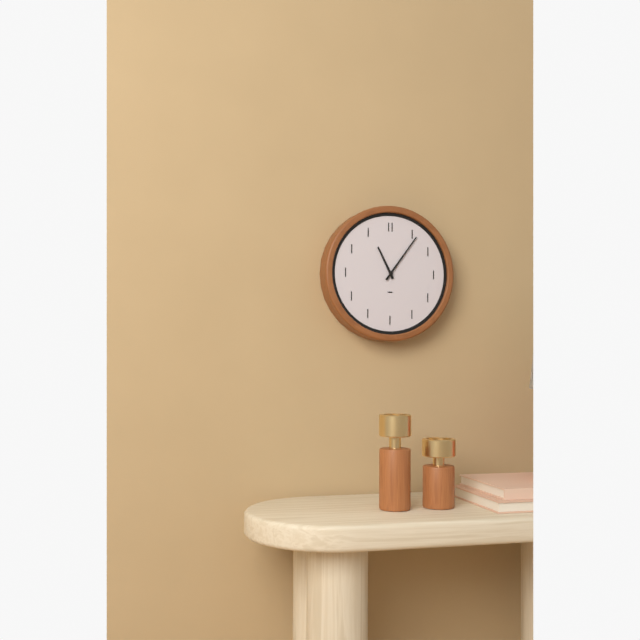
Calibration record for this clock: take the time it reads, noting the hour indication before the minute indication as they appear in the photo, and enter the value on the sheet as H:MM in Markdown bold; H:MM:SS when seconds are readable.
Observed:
**11:06**
